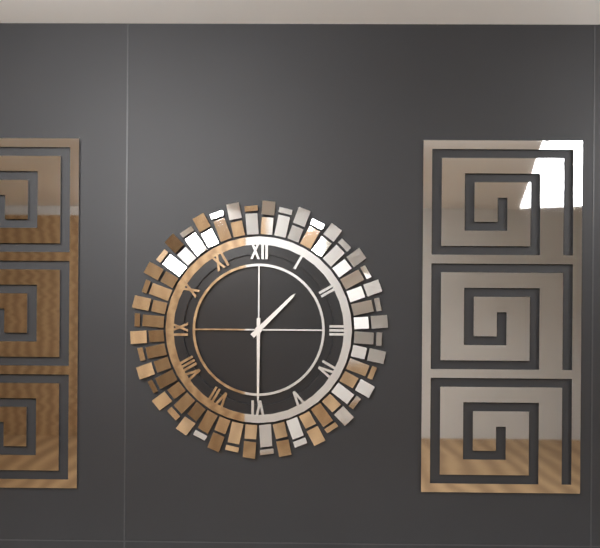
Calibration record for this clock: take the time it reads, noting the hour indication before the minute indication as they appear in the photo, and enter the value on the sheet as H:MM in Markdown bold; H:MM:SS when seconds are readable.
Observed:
**1:30**
